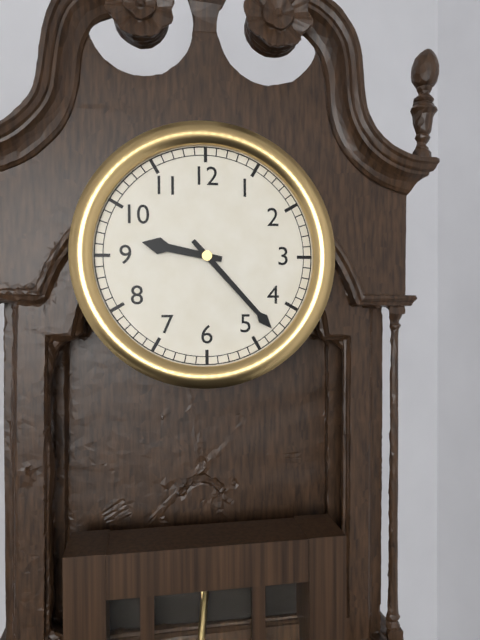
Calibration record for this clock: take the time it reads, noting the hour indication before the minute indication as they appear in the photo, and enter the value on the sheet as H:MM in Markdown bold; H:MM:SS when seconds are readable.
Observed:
**9:23**
